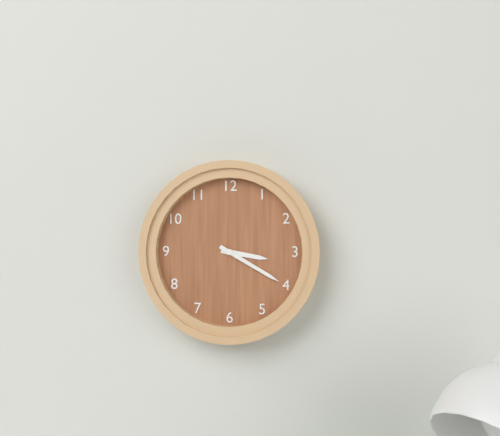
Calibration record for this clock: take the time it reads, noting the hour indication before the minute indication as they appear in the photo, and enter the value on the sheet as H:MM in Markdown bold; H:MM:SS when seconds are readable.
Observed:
**3:20**
